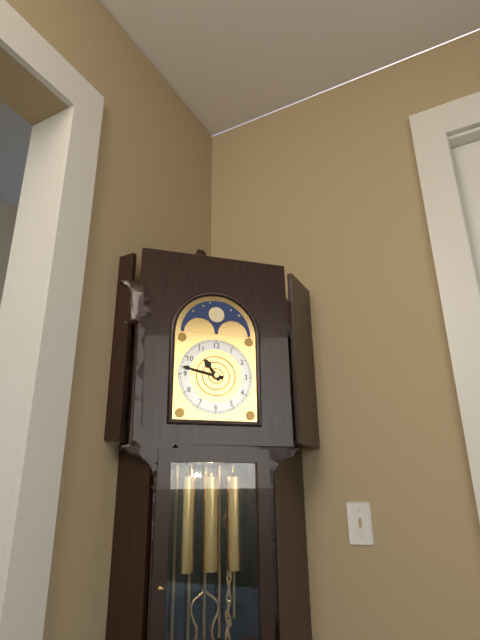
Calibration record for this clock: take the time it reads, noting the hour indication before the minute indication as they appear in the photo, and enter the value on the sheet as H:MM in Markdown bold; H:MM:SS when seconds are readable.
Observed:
**10:47**
